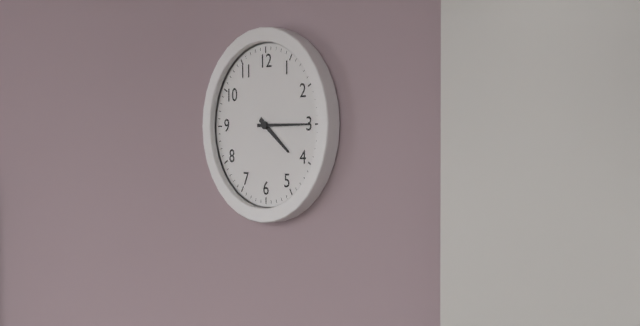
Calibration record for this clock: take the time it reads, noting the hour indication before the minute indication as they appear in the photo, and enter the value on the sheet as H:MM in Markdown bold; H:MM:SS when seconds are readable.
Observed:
**4:15**
